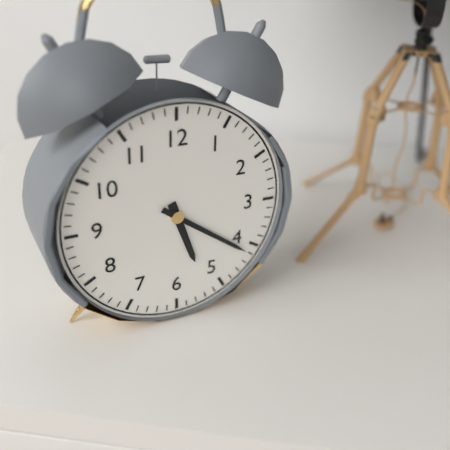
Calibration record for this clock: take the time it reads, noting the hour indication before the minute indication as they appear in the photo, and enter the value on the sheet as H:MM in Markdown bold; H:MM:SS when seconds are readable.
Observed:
**5:21**
